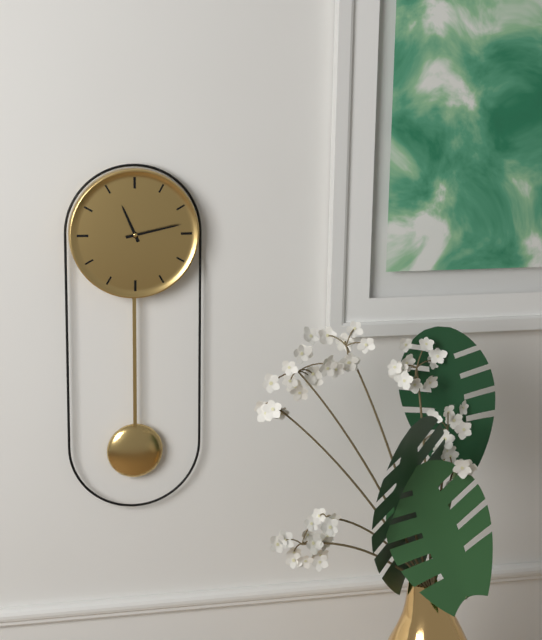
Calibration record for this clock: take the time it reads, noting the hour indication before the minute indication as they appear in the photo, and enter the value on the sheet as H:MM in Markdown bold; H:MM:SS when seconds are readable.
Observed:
**11:13**
